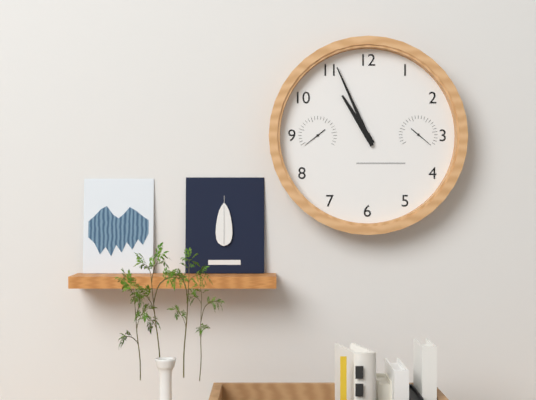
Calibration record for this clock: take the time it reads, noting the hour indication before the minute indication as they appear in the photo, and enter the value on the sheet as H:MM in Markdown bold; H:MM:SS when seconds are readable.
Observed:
**10:56**
